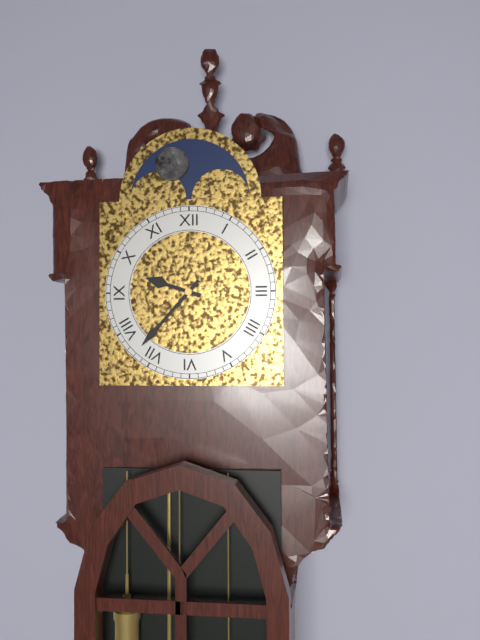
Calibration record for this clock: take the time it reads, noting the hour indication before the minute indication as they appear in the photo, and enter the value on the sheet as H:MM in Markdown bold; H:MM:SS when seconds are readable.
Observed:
**9:37**
